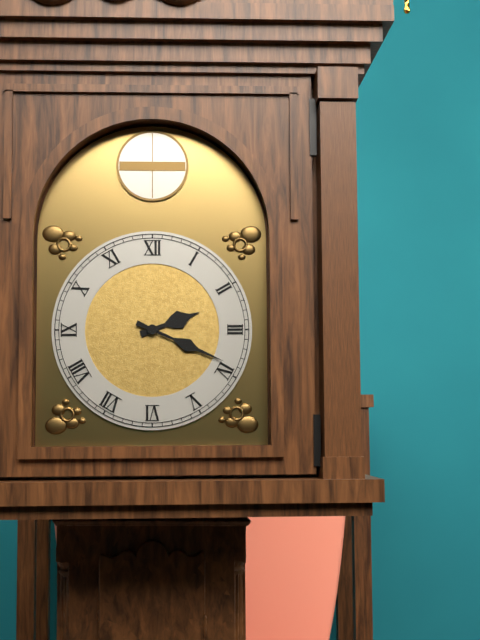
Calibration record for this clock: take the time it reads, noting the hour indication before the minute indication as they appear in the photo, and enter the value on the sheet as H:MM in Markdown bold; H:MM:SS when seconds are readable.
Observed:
**2:19**
